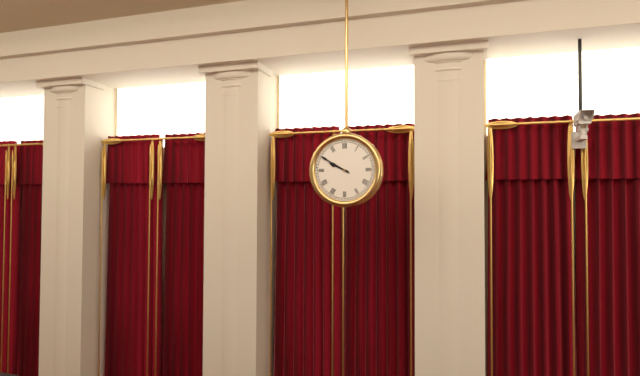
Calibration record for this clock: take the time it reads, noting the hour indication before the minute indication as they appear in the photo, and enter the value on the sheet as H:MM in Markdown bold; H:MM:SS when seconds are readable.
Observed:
**9:50**
